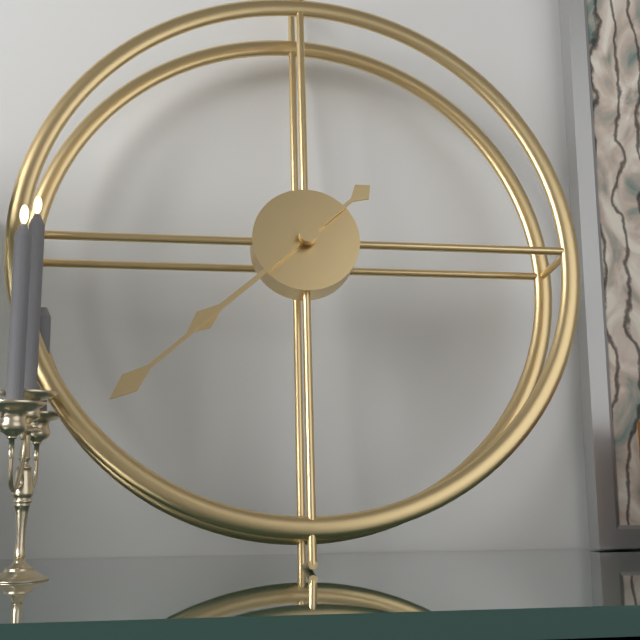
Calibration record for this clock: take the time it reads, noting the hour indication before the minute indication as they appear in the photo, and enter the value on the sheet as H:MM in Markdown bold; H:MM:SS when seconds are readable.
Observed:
**7:38**
